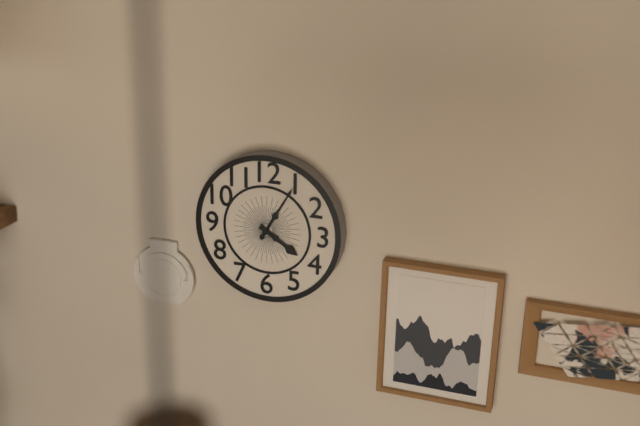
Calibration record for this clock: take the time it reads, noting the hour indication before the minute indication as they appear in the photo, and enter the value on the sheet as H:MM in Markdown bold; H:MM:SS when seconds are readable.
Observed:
**4:05**
